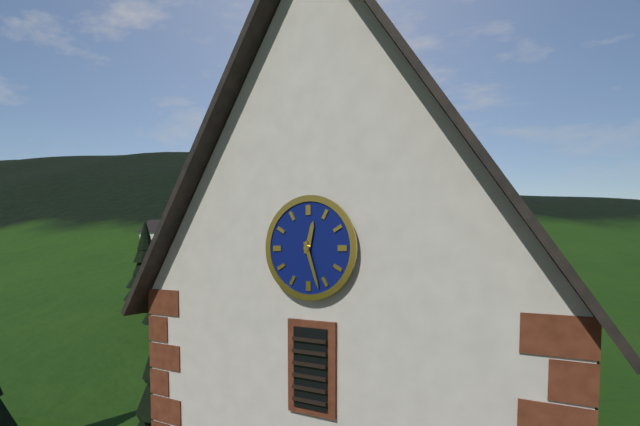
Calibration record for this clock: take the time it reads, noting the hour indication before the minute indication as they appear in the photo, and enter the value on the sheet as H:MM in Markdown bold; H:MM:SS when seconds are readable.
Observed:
**12:27**
